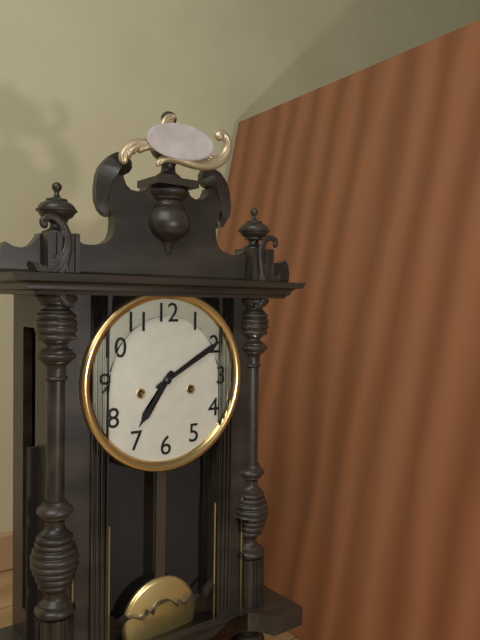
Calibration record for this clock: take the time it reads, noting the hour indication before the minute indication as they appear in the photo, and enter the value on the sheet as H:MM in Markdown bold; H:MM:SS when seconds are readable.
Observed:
**7:10**
